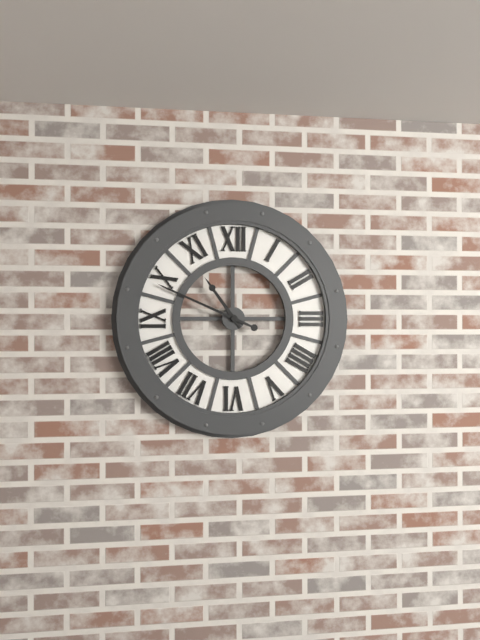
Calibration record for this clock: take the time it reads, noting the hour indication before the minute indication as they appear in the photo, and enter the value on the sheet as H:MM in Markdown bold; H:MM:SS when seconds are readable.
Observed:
**10:49**
